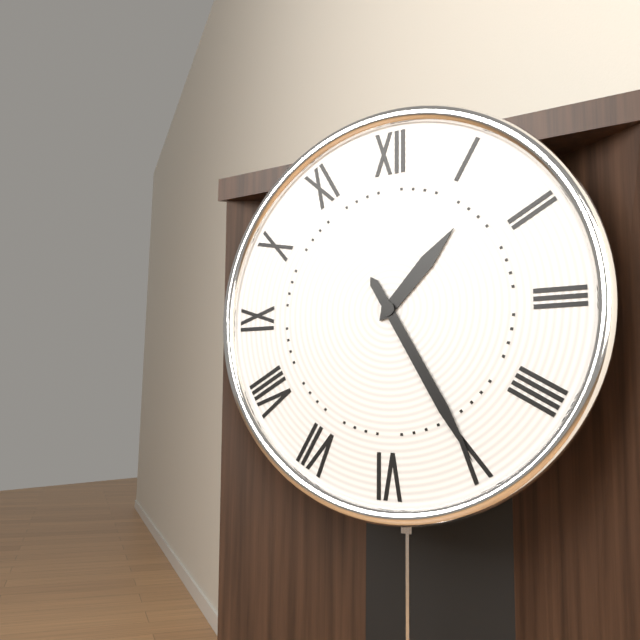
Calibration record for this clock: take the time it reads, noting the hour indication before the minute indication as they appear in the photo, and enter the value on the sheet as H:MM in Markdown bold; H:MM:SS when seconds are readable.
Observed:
**1:25**
